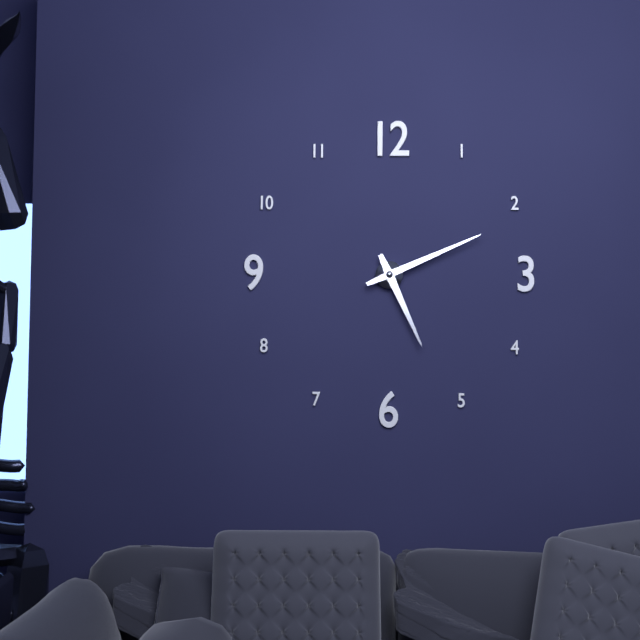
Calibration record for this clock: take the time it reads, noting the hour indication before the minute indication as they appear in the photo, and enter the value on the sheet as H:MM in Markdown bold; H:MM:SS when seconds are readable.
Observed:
**5:11**
